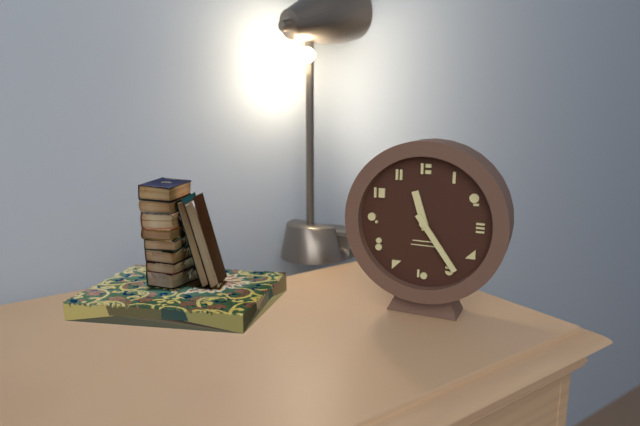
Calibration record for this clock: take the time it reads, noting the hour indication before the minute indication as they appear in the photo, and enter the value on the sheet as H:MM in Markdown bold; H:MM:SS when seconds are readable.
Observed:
**11:24**
